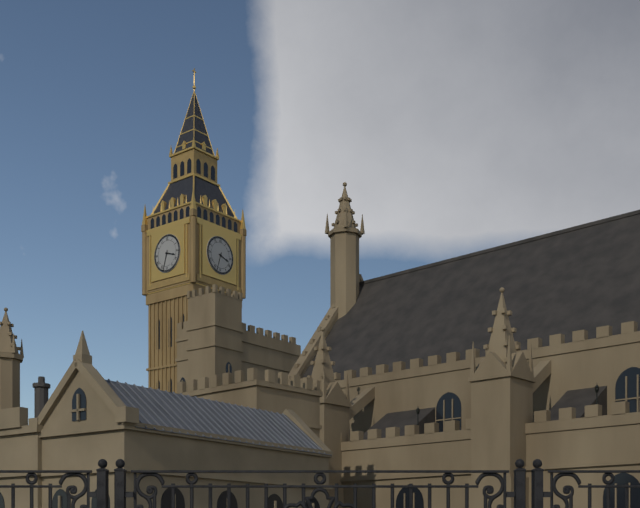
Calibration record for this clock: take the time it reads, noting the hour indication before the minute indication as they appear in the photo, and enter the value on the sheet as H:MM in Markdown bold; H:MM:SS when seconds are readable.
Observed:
**3:33**
